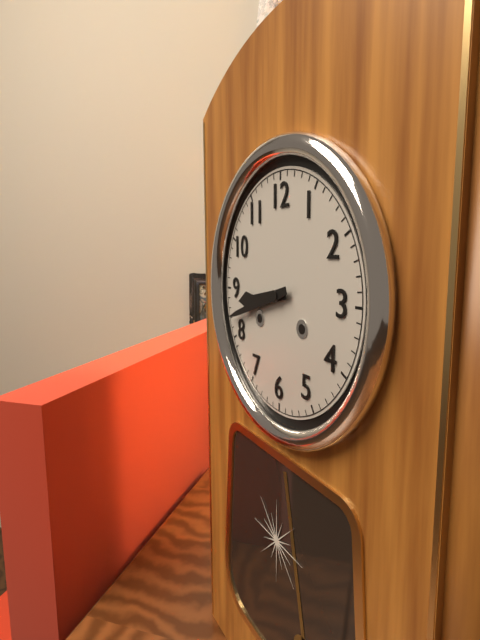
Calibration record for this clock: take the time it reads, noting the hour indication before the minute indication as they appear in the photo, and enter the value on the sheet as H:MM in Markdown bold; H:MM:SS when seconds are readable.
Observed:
**8:42**
